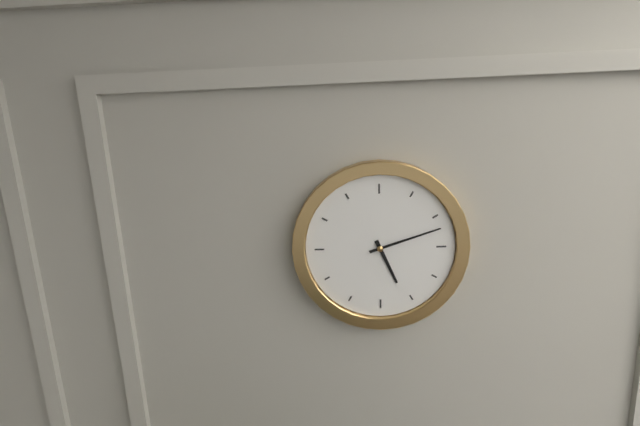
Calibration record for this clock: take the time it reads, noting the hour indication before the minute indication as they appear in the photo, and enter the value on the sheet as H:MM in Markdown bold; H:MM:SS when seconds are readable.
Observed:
**5:12**
